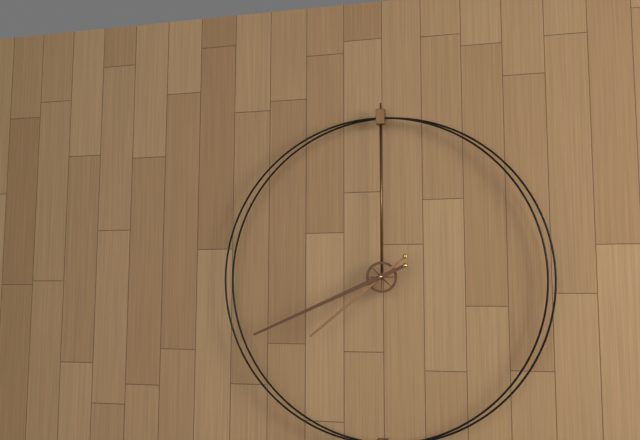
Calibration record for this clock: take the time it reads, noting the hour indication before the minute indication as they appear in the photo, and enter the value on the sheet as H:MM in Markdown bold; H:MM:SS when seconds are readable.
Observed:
**7:41**
